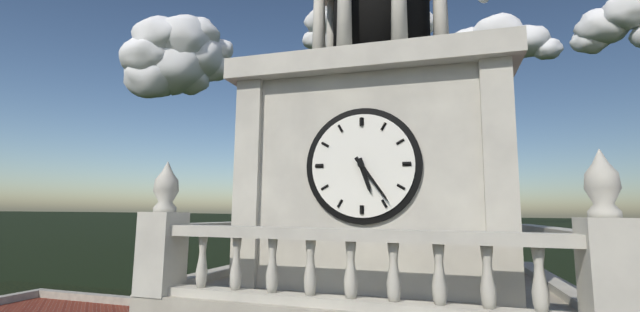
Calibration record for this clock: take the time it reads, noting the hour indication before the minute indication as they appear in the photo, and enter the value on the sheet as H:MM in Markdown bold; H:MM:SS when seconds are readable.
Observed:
**5:24**
